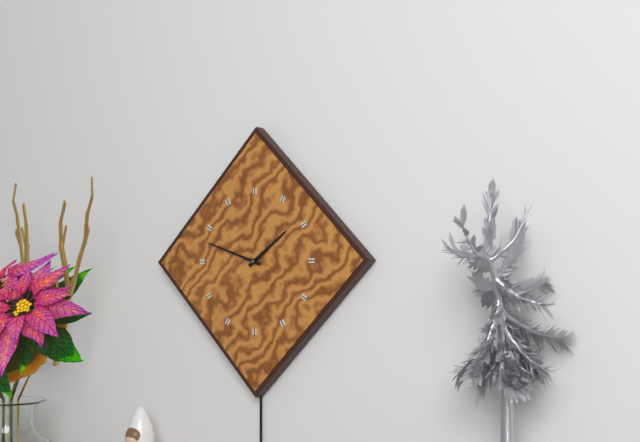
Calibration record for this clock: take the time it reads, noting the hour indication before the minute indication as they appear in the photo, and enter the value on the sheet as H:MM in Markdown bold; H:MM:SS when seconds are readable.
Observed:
**1:48**
